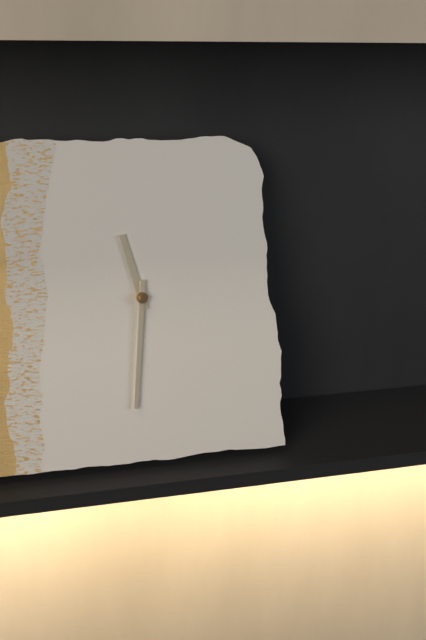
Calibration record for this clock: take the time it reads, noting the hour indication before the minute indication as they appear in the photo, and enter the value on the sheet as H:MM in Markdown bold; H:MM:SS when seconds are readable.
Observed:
**11:31**
